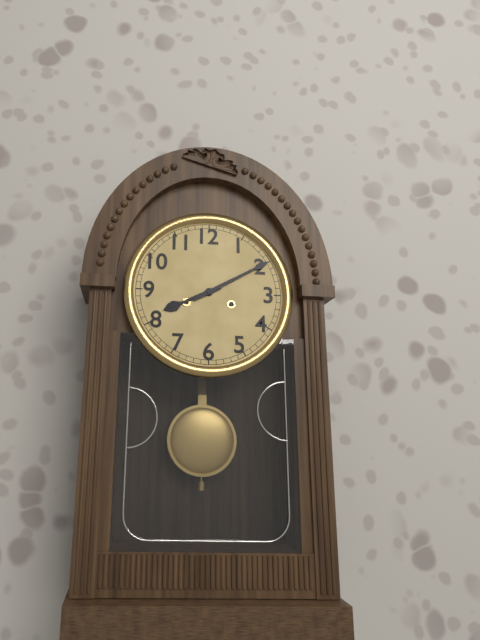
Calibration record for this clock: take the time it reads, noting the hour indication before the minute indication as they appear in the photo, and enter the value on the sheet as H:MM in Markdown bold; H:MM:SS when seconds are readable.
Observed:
**8:10**
